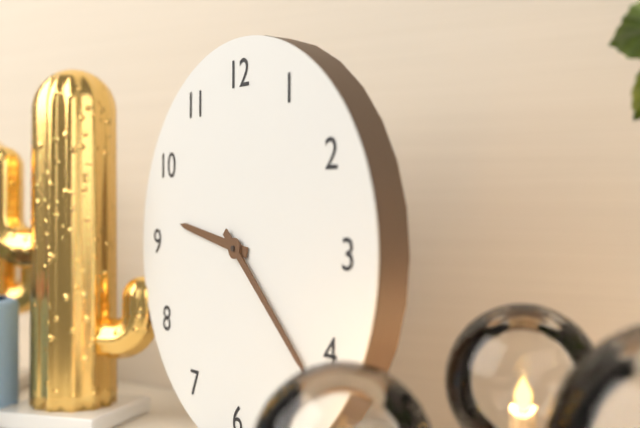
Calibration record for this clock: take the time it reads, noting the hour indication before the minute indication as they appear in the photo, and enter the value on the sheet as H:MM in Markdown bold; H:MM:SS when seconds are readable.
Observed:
**9:22**
